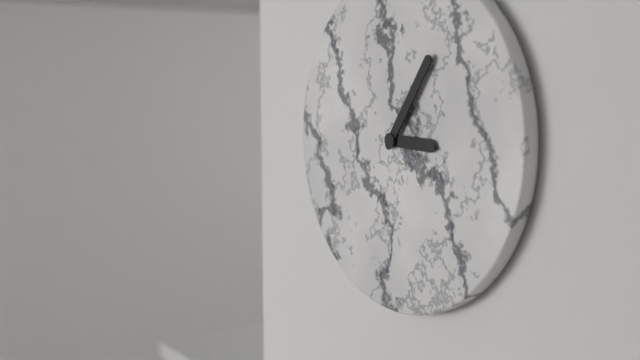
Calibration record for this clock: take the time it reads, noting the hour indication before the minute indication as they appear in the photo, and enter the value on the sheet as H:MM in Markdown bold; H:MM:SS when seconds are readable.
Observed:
**3:06**
